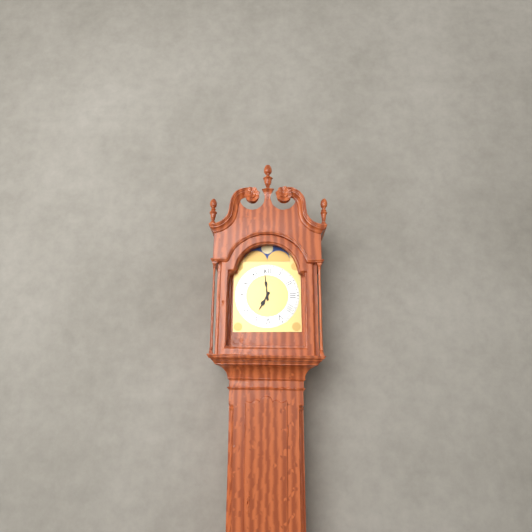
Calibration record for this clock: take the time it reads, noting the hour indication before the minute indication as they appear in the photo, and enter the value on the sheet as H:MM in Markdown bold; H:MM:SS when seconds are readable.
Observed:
**6:59**
